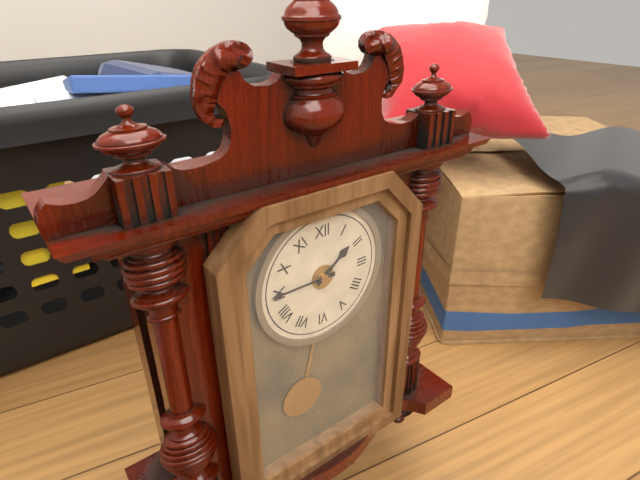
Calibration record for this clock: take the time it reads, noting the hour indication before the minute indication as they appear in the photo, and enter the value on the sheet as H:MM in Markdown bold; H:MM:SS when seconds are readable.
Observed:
**1:45**
